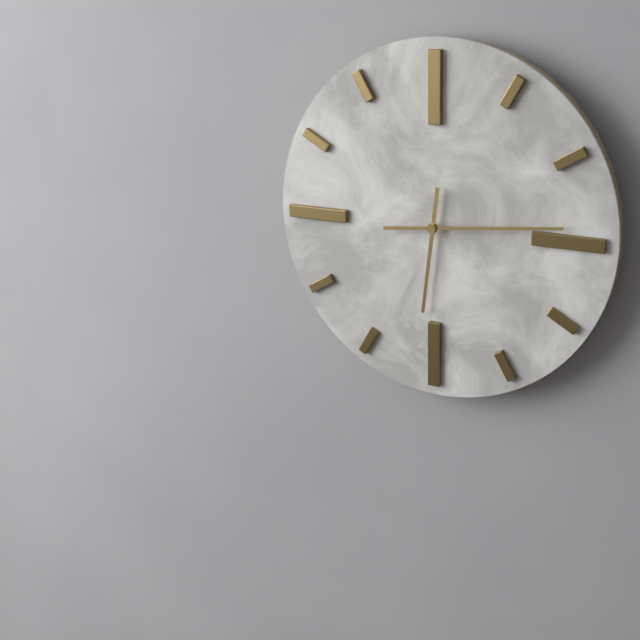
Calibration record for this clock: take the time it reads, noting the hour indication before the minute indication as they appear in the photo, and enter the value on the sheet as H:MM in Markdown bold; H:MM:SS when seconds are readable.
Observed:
**6:14**
